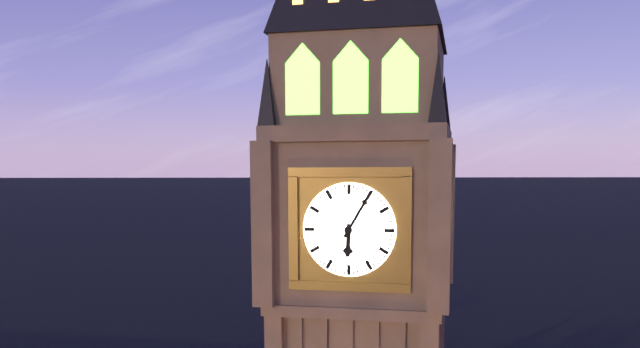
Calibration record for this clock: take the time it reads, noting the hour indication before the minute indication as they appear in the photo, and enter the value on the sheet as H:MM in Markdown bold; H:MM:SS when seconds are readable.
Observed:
**6:05**
